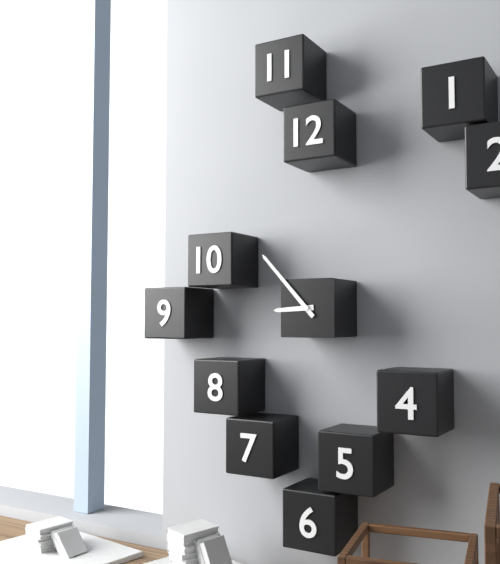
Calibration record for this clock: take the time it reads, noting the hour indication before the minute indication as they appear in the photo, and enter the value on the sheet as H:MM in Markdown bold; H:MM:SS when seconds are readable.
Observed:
**8:53**
